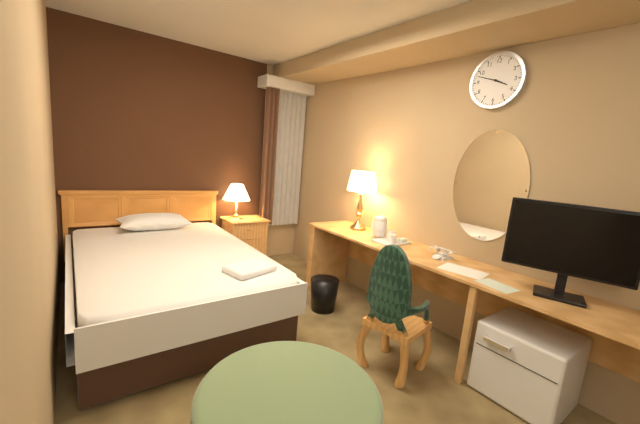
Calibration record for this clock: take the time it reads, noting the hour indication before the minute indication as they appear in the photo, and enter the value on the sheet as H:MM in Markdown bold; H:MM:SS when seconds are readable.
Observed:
**3:48**
